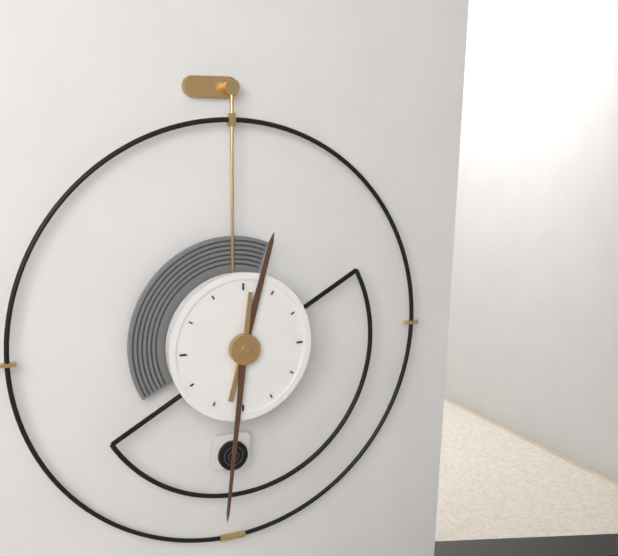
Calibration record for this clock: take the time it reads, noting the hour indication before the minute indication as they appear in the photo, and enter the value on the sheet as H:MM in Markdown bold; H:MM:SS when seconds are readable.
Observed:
**12:31**
